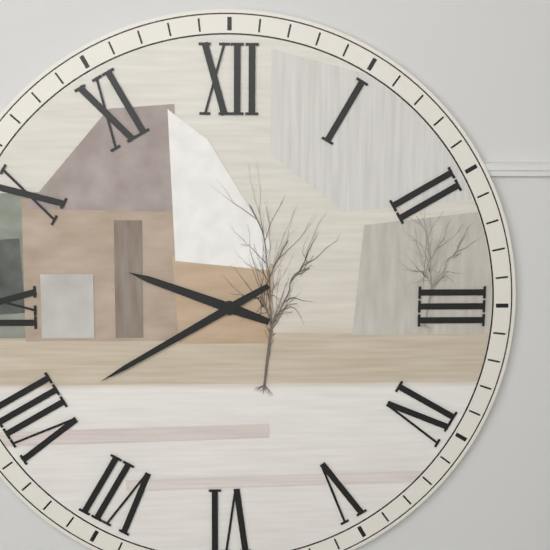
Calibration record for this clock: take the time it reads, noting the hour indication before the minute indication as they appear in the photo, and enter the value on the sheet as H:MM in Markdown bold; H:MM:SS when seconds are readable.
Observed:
**9:40**
